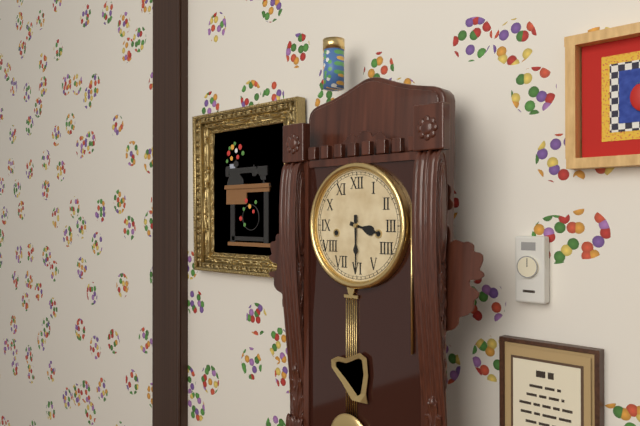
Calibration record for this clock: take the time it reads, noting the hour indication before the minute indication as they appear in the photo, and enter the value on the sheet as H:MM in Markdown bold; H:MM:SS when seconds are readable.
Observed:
**3:30**
